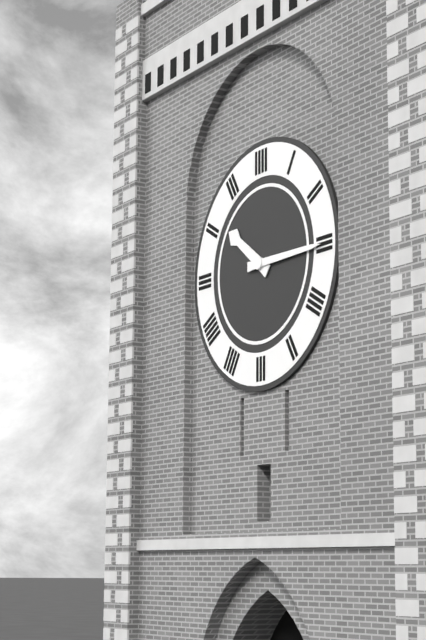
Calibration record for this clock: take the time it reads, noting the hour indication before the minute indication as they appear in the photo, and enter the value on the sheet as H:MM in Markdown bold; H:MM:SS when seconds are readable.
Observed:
**10:15**
